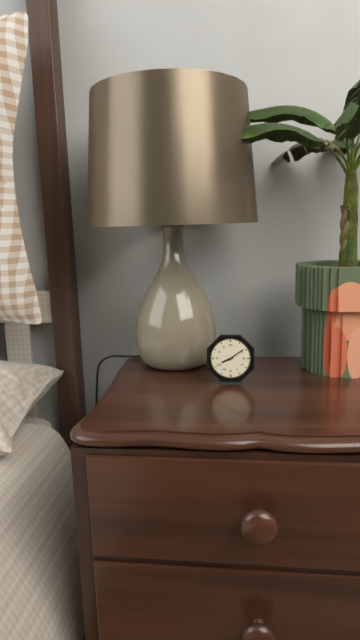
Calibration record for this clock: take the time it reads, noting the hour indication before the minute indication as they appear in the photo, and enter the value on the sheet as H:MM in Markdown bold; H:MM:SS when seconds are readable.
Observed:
**8:09**
